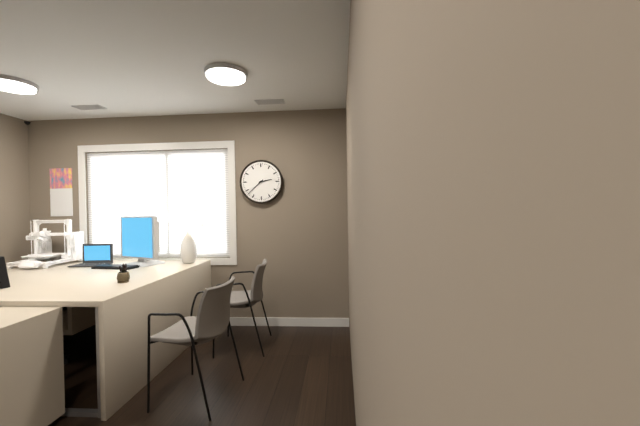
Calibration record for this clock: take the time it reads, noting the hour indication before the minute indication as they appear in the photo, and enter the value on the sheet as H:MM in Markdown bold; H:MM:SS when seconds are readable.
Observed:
**2:38**
